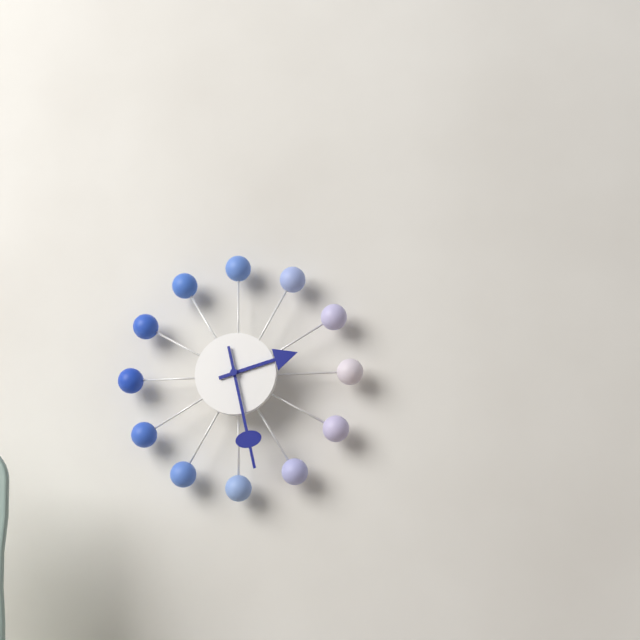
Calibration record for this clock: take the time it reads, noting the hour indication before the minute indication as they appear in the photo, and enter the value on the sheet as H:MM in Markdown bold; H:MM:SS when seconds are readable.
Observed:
**2:28**
